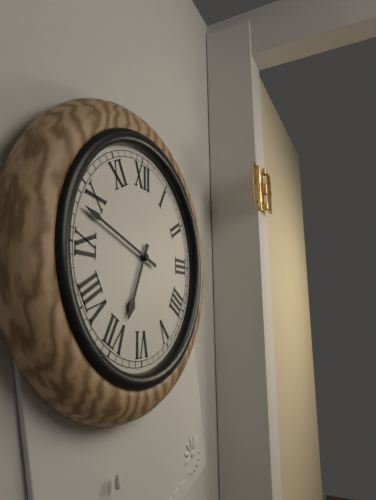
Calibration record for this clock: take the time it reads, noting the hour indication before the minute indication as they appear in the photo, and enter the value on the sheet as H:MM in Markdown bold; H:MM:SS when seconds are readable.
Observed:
**6:48**
